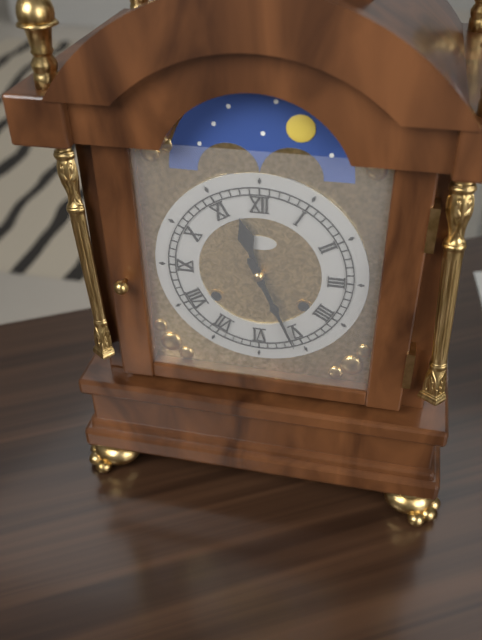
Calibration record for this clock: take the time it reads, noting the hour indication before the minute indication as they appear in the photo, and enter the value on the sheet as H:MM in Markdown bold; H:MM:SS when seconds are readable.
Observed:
**11:26**
